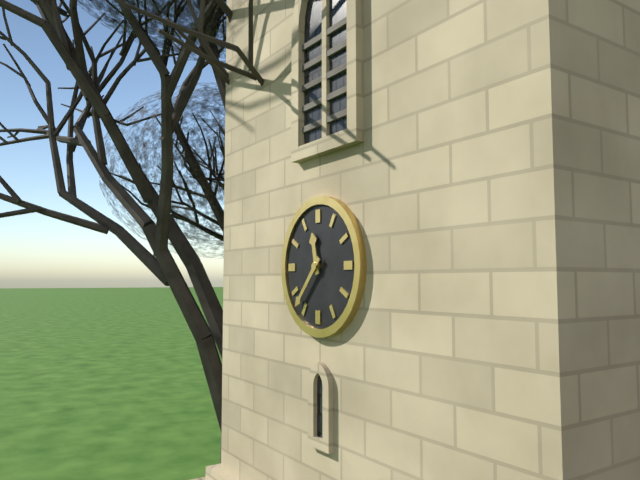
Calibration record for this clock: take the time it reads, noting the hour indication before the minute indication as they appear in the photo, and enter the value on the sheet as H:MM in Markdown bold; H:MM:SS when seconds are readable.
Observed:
**11:37**
